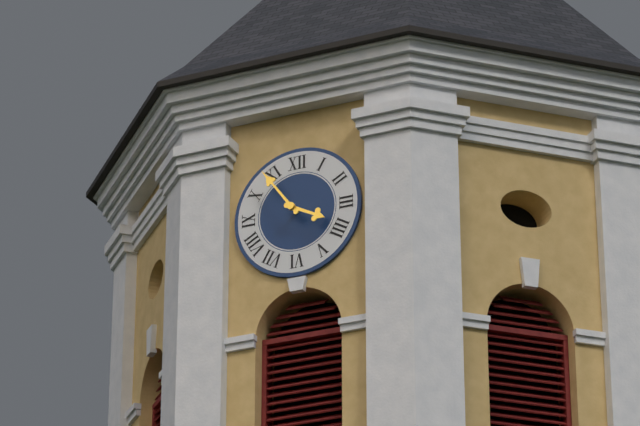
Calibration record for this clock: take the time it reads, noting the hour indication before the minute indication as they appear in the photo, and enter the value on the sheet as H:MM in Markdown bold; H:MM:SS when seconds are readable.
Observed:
**3:54**
